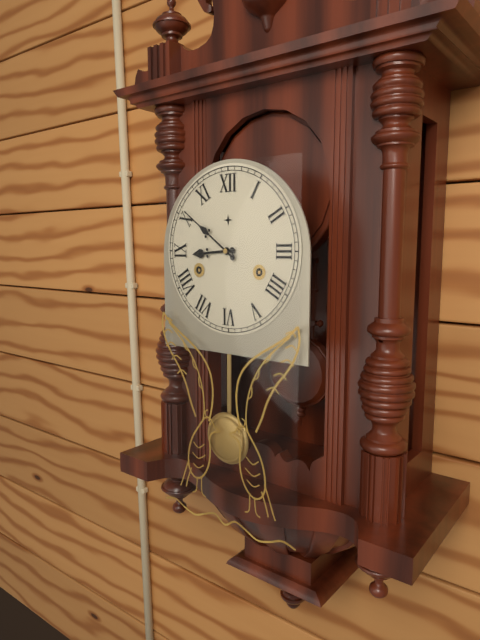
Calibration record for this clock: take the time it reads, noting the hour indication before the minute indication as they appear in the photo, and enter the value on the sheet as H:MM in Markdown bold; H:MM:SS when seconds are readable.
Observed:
**8:51**
